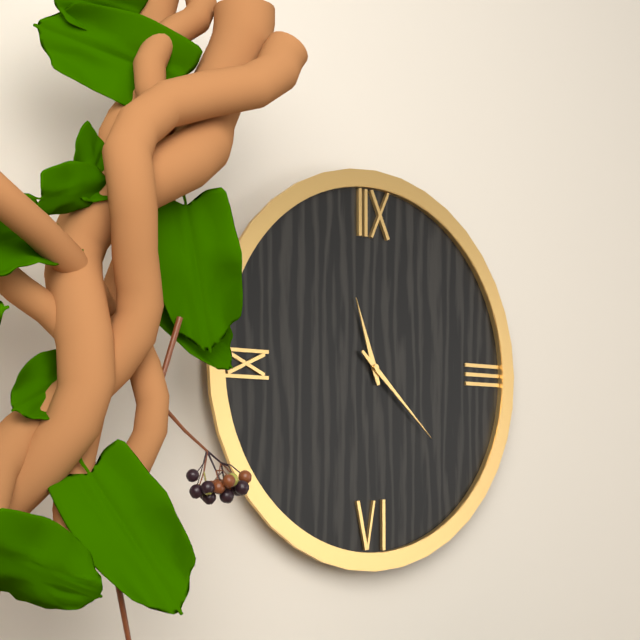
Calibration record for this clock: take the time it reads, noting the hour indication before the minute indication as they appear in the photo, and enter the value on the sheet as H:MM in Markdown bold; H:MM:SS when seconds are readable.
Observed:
**11:22**
